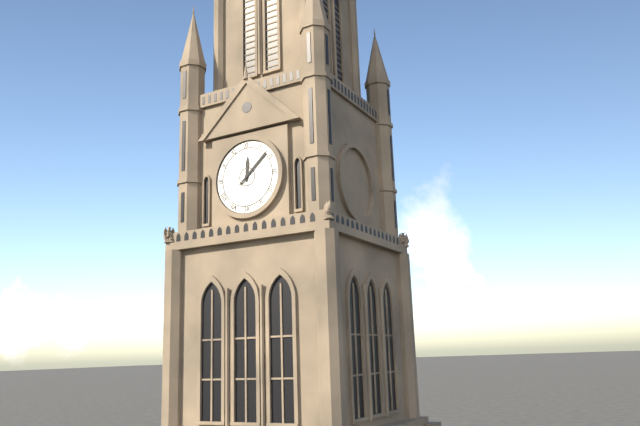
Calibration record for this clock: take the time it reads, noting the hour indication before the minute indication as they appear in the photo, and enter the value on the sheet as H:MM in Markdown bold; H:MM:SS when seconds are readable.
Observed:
**12:08**
